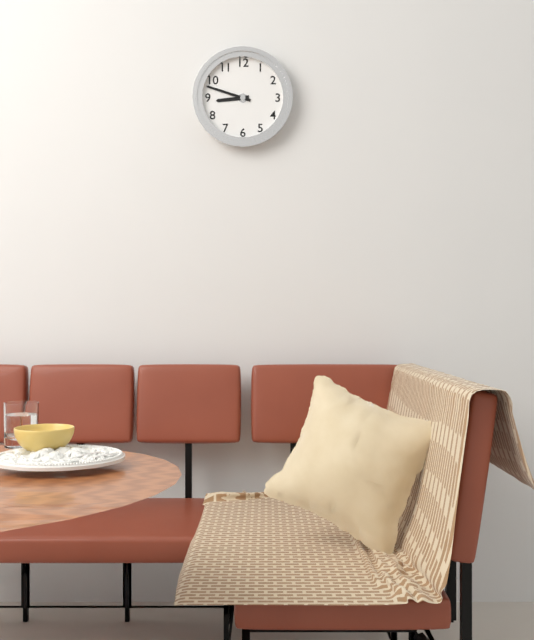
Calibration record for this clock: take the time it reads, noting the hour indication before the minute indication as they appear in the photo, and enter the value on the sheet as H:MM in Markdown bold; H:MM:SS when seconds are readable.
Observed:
**8:48**
